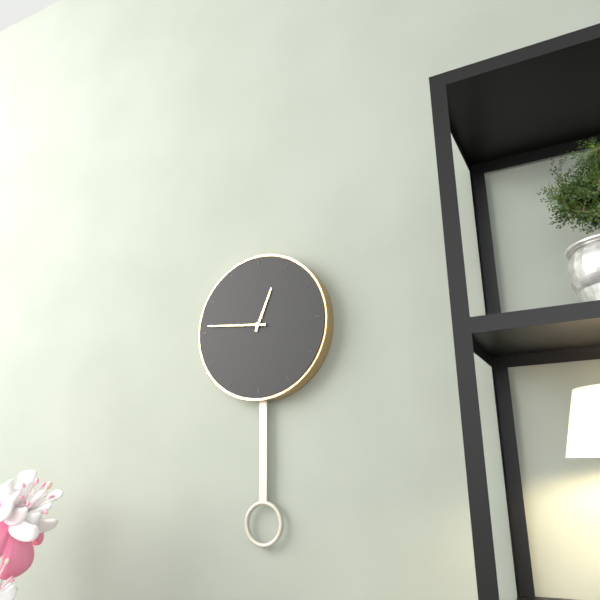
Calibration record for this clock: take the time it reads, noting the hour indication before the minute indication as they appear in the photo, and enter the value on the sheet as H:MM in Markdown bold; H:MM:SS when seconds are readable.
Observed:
**12:46**
